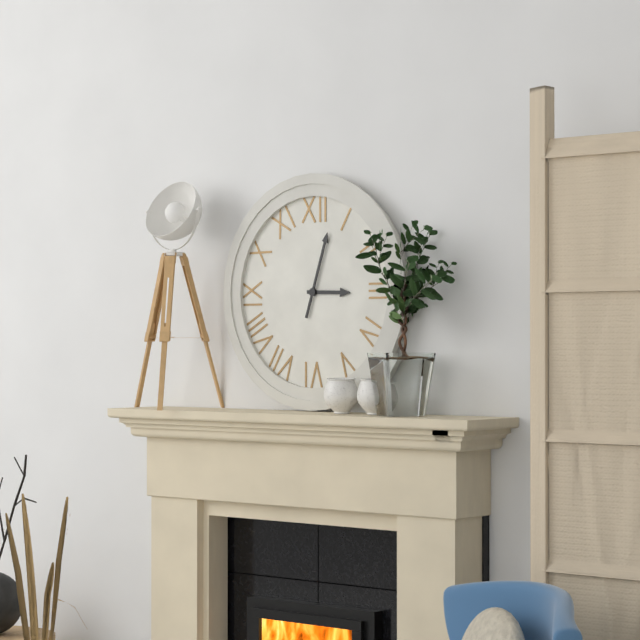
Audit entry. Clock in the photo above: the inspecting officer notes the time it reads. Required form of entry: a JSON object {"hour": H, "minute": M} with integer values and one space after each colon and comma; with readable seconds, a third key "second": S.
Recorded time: {"hour": 3, "minute": 3}
